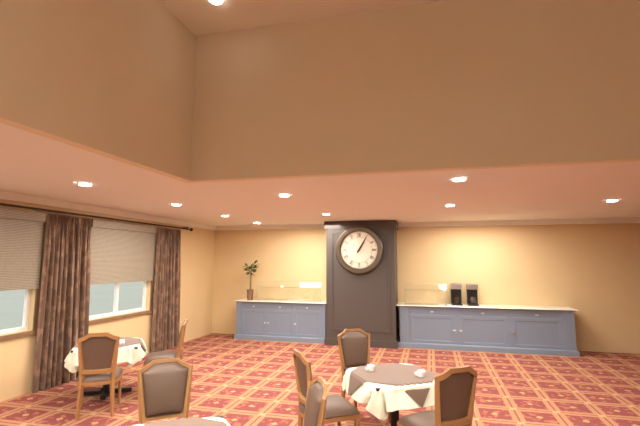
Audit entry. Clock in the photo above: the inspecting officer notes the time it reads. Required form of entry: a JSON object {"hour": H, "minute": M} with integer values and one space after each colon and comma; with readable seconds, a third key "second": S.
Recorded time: {"hour": 1, "minute": 5}
